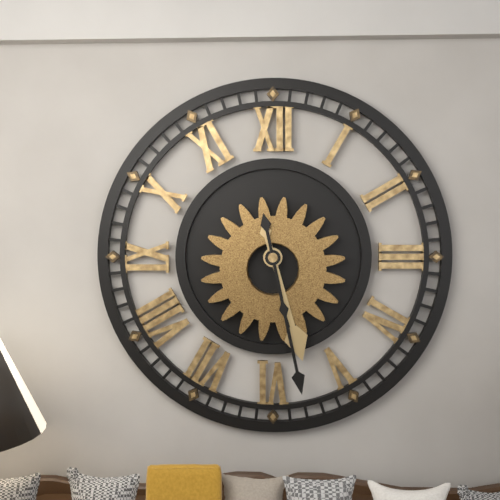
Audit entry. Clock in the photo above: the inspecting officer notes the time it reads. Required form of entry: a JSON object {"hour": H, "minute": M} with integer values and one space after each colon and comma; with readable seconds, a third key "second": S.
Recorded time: {"hour": 5, "minute": 28}
